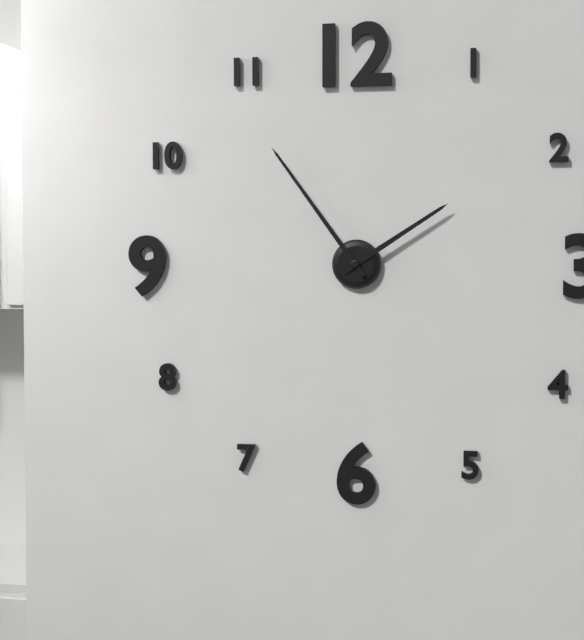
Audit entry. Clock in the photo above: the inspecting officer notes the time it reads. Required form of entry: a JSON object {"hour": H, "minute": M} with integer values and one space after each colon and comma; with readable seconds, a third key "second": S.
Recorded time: {"hour": 1, "minute": 54}
